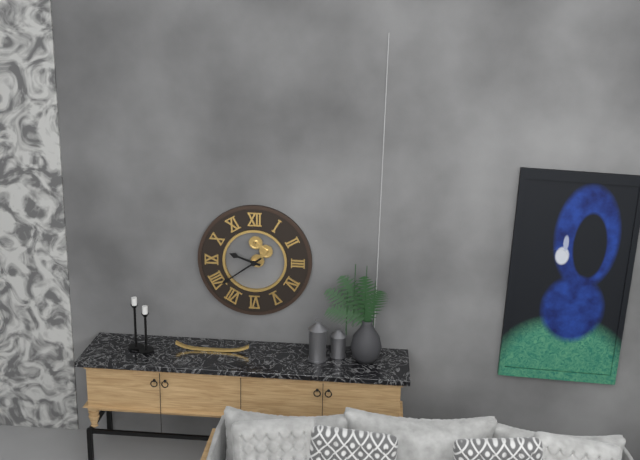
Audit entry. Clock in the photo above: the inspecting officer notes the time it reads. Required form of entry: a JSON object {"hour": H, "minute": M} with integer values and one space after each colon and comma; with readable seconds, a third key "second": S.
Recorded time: {"hour": 9, "minute": 39}
